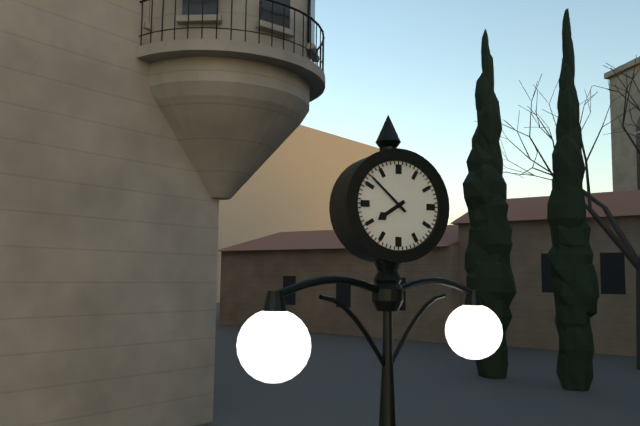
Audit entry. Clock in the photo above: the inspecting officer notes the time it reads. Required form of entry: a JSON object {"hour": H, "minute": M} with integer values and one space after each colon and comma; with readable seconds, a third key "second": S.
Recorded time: {"hour": 7, "minute": 52}
